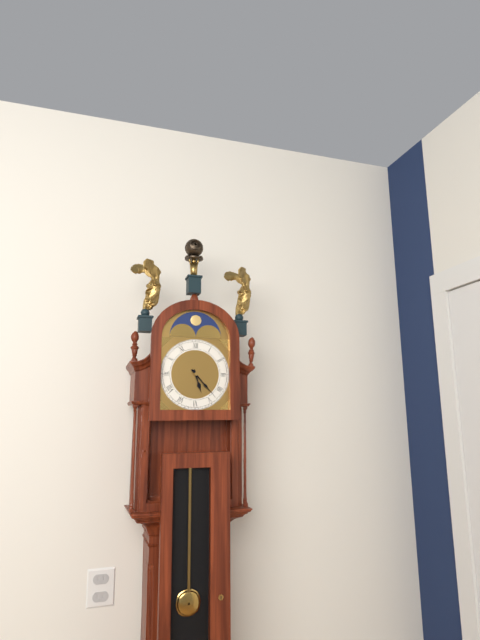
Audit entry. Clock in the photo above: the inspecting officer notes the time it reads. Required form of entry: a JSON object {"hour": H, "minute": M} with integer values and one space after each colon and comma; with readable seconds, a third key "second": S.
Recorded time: {"hour": 5, "minute": 23}
